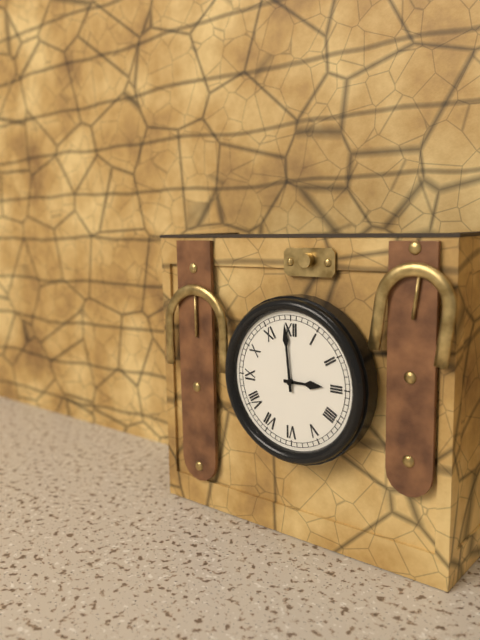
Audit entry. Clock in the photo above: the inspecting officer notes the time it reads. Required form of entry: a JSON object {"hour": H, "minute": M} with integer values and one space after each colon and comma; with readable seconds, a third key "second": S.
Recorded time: {"hour": 2, "minute": 59}
